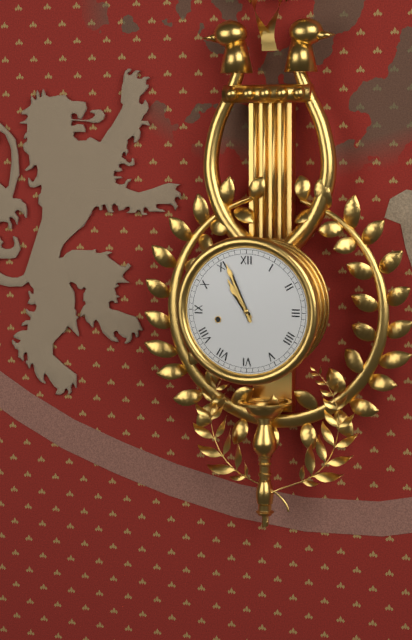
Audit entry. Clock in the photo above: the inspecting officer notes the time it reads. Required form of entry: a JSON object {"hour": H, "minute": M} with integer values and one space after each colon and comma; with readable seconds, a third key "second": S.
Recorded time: {"hour": 10, "minute": 56}
